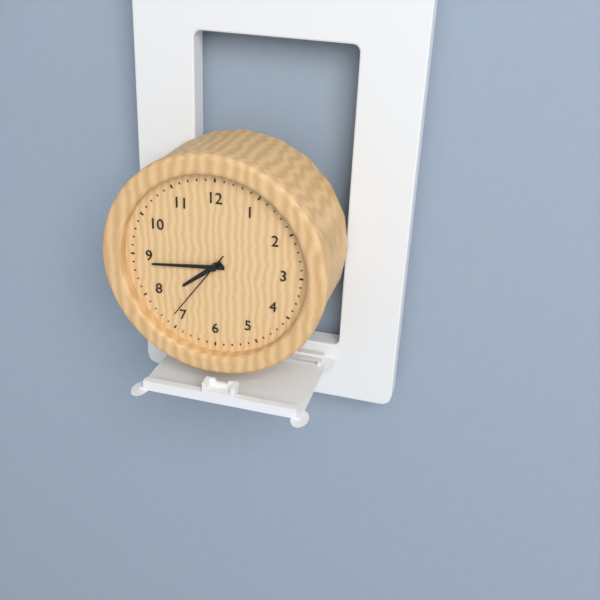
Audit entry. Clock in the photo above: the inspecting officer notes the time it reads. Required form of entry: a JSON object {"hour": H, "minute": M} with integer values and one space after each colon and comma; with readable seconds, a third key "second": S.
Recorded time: {"hour": 7, "minute": 44, "second": 36}
